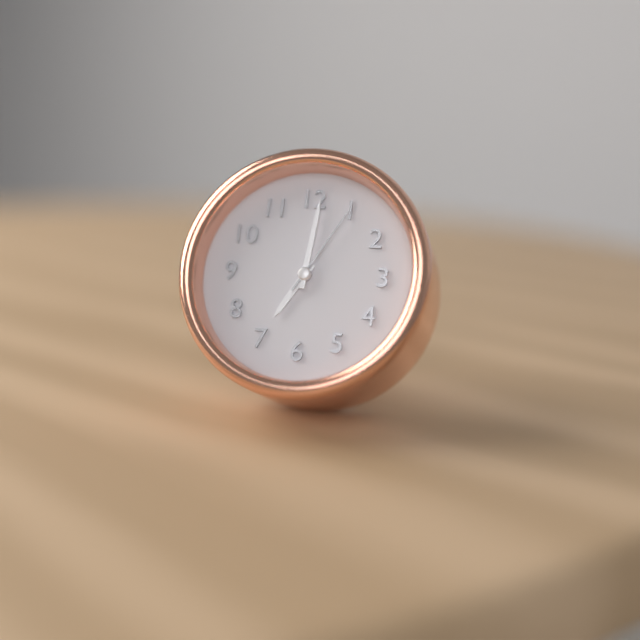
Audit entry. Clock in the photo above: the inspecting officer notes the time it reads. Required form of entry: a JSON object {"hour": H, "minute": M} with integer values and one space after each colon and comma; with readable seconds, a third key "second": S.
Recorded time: {"hour": 7, "minute": 1, "second": 5}
